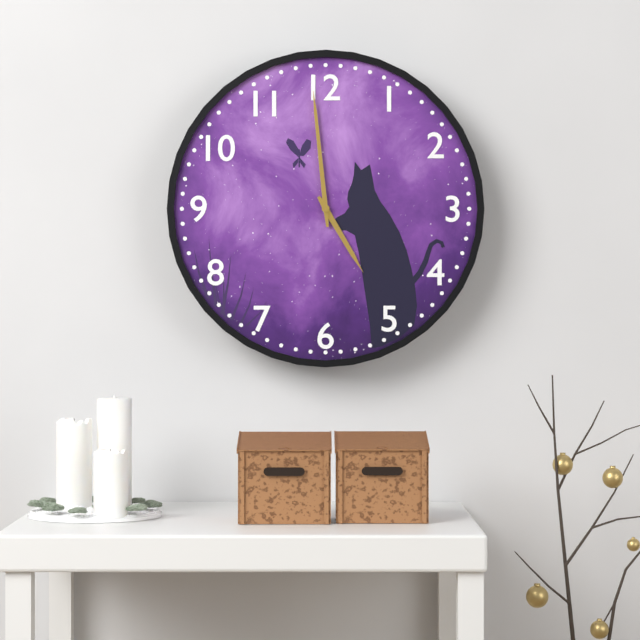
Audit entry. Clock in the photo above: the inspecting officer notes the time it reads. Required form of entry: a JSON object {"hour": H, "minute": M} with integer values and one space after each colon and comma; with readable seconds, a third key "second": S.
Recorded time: {"hour": 4, "minute": 59}
